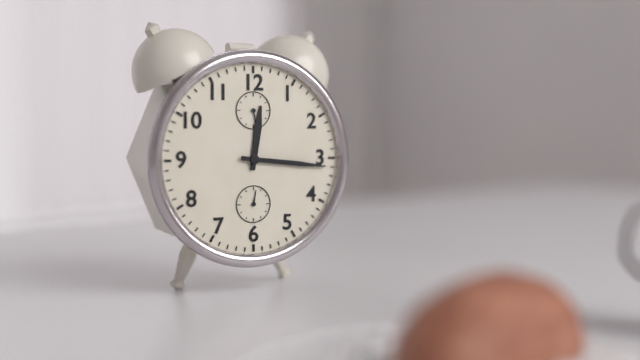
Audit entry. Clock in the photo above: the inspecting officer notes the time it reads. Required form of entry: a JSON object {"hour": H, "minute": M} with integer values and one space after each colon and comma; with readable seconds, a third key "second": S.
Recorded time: {"hour": 12, "minute": 16}
